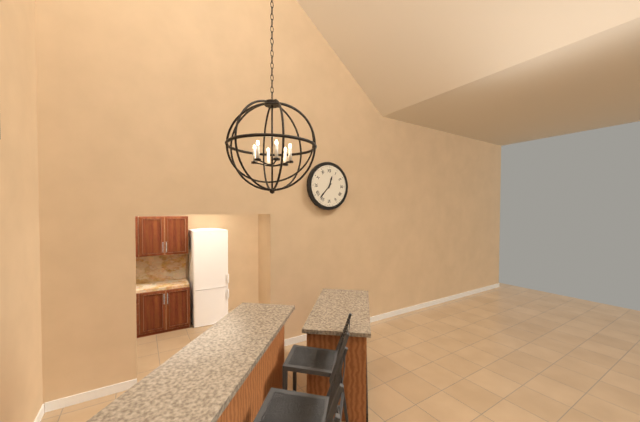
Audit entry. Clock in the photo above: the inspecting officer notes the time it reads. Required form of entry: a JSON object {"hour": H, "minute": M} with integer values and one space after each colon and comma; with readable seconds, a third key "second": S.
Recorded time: {"hour": 12, "minute": 37}
